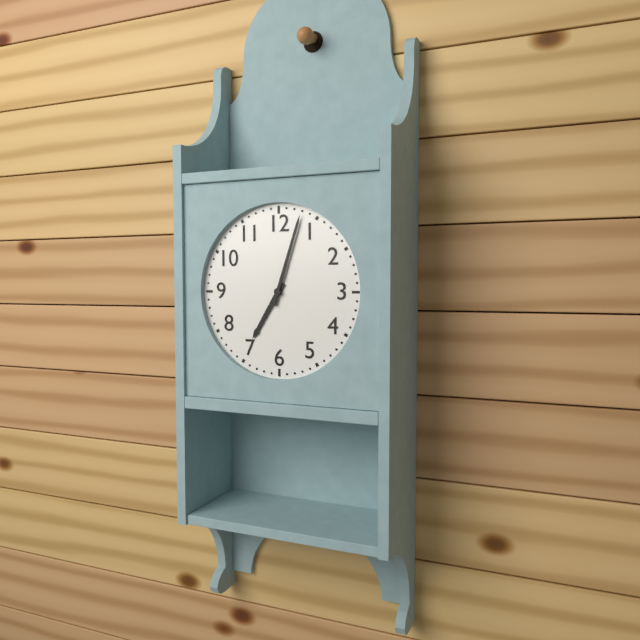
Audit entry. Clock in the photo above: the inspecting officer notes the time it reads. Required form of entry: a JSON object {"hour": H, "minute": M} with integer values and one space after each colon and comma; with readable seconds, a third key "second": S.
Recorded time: {"hour": 7, "minute": 3}
